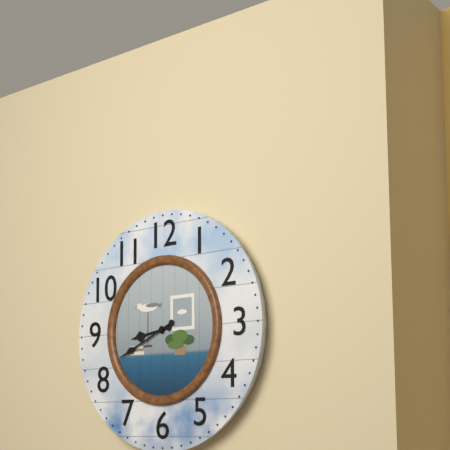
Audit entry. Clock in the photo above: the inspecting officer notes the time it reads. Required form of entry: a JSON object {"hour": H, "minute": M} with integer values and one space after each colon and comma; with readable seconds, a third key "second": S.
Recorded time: {"hour": 8, "minute": 41}
